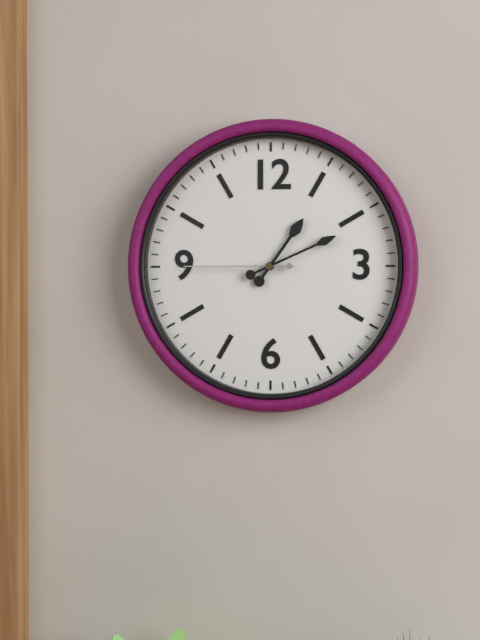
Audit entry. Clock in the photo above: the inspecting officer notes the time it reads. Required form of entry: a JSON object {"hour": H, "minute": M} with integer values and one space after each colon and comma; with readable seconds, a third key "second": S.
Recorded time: {"hour": 1, "minute": 11, "second": 45}
